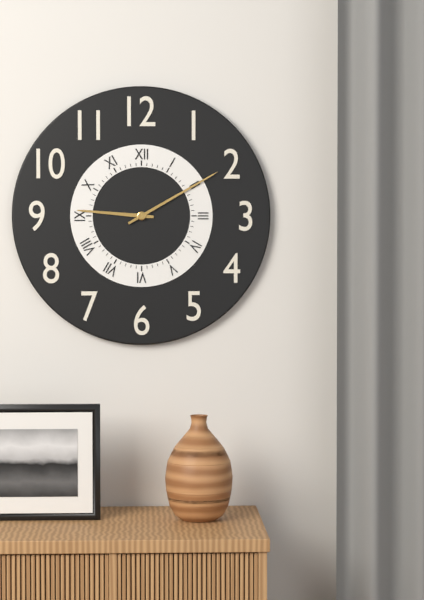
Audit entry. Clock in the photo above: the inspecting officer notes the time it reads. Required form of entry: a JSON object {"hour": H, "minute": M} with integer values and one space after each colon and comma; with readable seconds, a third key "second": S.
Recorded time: {"hour": 9, "minute": 10}
